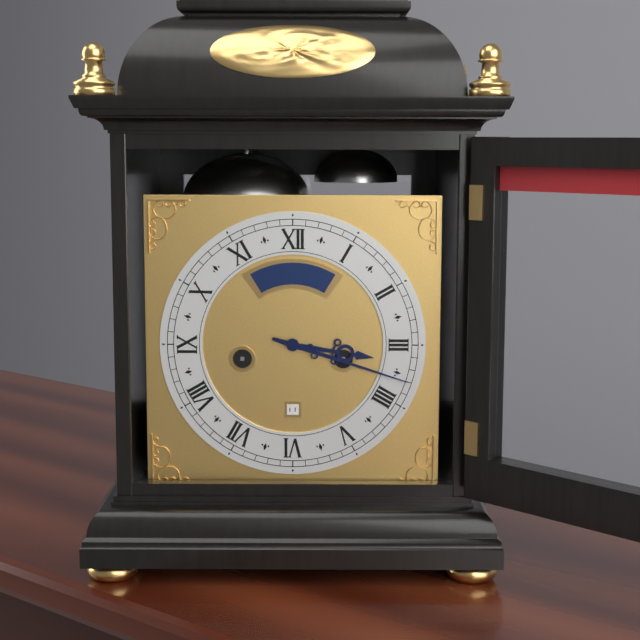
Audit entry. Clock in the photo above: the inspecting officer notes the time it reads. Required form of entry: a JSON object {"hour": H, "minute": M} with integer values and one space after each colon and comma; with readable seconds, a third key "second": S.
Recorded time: {"hour": 3, "minute": 18}
